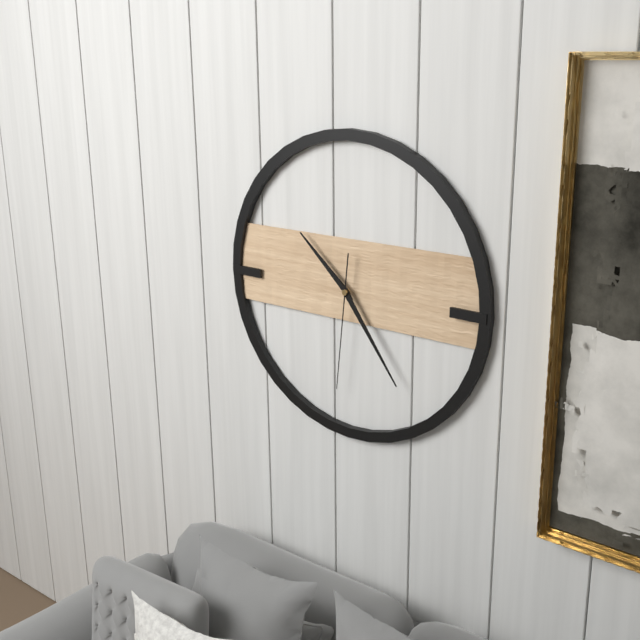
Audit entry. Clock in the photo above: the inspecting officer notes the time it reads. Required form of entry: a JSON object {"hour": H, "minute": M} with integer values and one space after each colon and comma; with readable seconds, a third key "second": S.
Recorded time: {"hour": 10, "minute": 24, "second": 31}
